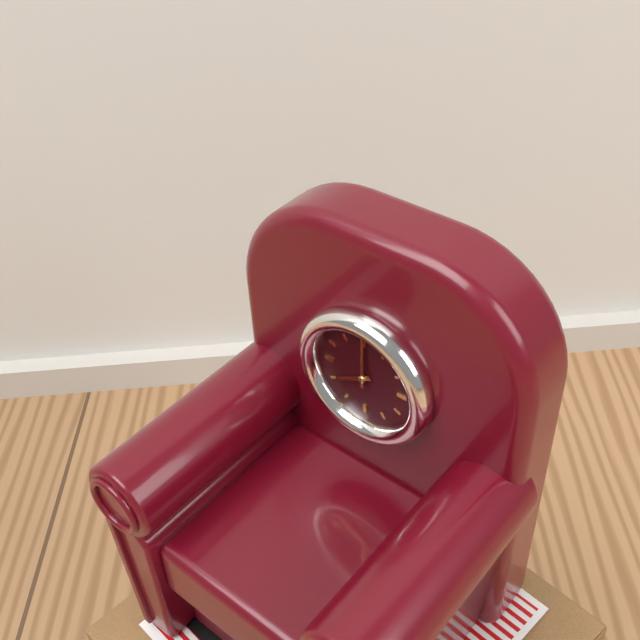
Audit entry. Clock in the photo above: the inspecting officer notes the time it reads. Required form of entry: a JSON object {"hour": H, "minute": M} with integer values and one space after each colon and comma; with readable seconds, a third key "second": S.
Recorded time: {"hour": 8, "minute": 0}
